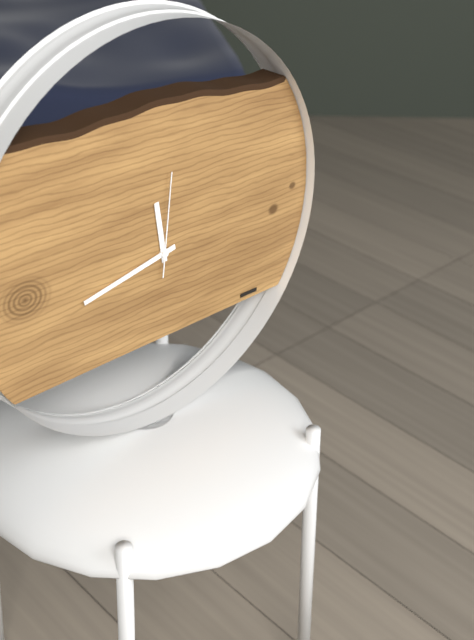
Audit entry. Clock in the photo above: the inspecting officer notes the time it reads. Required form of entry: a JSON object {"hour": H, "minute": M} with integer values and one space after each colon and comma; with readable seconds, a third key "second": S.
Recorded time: {"hour": 11, "minute": 43, "second": 1}
